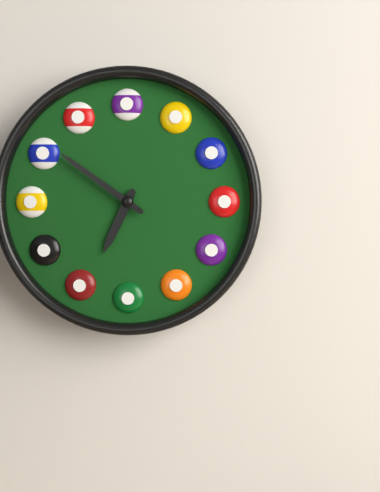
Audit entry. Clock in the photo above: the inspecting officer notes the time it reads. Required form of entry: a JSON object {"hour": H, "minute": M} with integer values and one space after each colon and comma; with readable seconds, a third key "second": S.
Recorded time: {"hour": 6, "minute": 51}
